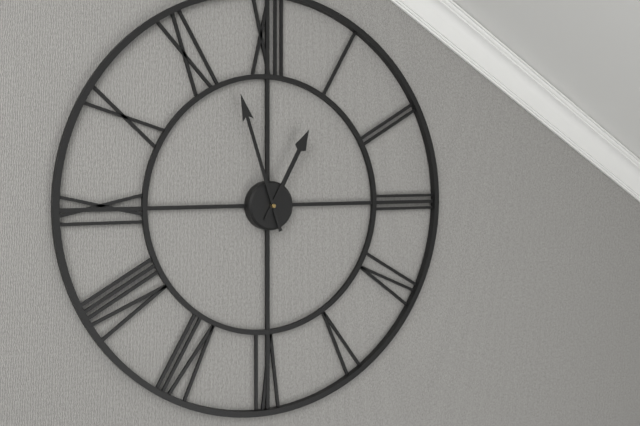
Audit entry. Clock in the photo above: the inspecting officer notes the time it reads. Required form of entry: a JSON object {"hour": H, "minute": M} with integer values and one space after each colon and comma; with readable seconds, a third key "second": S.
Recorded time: {"hour": 12, "minute": 57}
